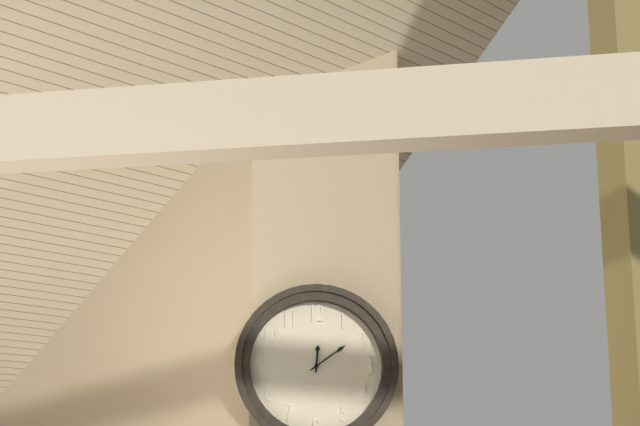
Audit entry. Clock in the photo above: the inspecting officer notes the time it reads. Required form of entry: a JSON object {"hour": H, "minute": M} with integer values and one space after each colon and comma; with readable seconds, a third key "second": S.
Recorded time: {"hour": 12, "minute": 9}
